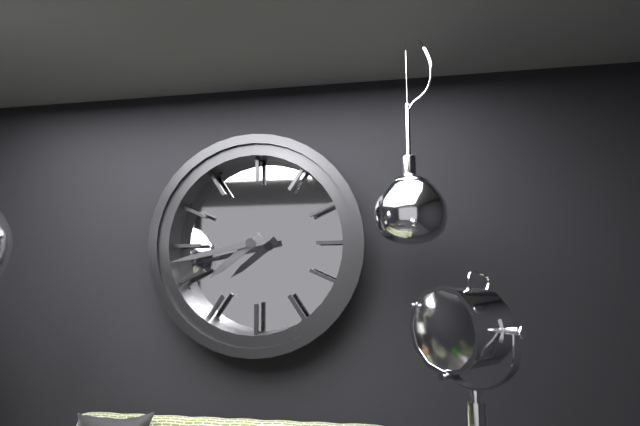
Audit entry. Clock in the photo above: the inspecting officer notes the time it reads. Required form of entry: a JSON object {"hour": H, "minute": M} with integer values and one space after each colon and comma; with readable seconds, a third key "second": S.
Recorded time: {"hour": 7, "minute": 43}
